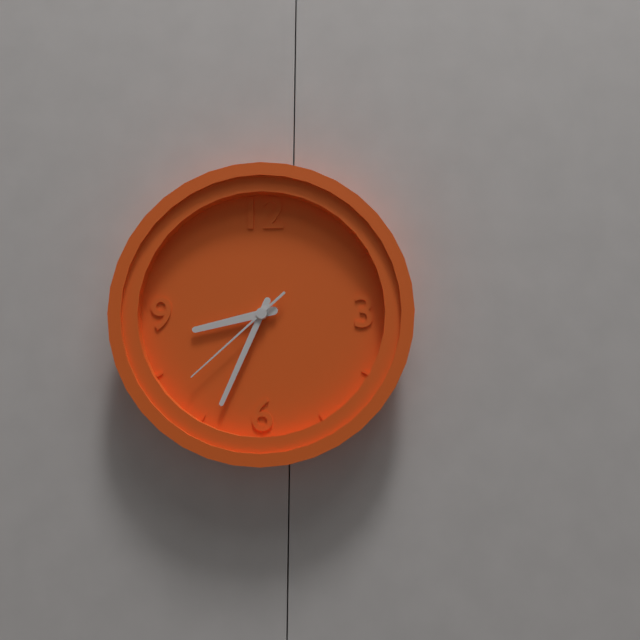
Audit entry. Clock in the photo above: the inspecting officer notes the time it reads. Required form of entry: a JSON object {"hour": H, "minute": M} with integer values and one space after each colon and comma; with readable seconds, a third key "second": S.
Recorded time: {"hour": 8, "minute": 34, "second": 38}
